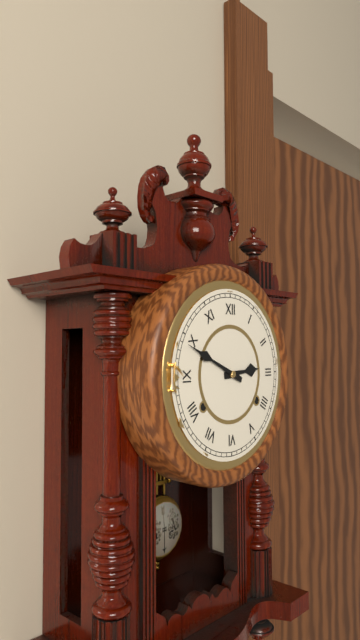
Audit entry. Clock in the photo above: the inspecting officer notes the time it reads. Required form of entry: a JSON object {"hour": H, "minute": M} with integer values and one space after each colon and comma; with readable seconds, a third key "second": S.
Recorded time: {"hour": 2, "minute": 49}
